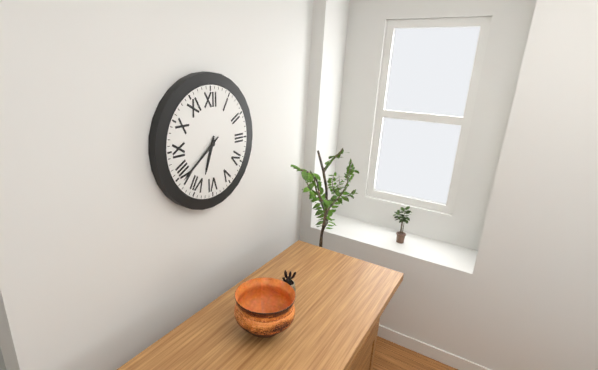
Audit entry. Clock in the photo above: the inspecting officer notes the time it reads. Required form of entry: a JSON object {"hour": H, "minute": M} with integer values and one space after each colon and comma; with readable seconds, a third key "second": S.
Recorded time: {"hour": 6, "minute": 39}
